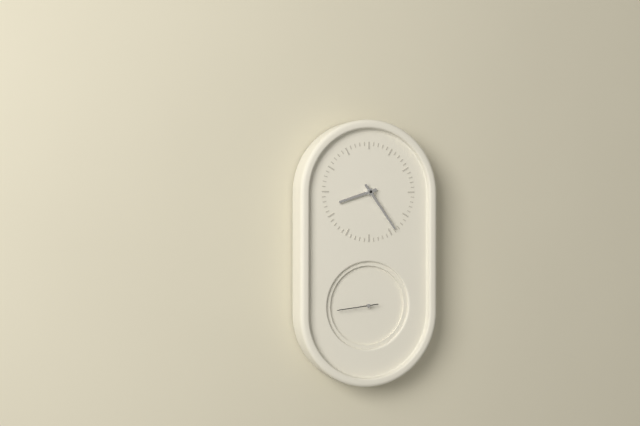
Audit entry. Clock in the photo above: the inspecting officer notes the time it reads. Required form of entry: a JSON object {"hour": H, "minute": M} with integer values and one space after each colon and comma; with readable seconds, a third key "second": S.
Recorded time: {"hour": 8, "minute": 24}
